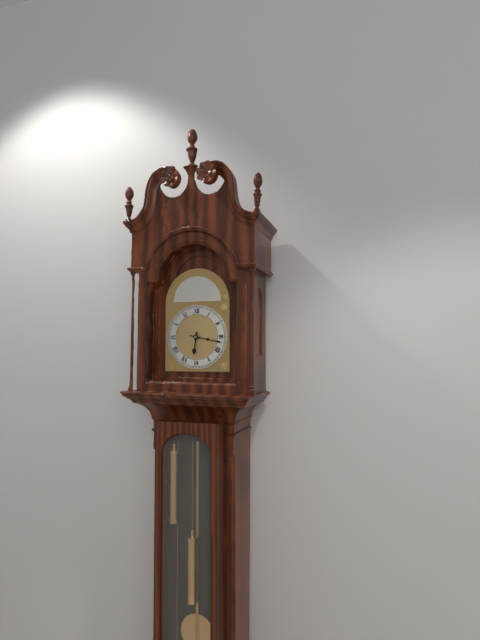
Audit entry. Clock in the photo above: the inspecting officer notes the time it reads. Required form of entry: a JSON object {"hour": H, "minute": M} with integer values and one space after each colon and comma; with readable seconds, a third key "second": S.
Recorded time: {"hour": 6, "minute": 17}
